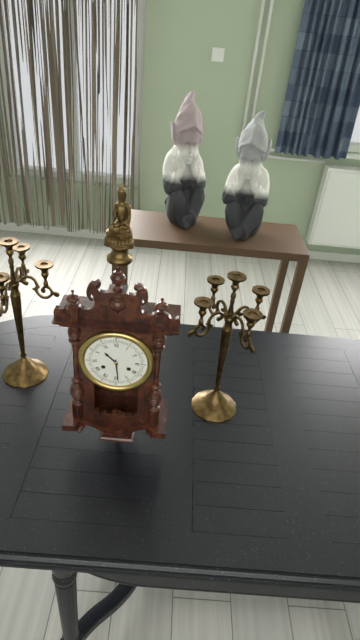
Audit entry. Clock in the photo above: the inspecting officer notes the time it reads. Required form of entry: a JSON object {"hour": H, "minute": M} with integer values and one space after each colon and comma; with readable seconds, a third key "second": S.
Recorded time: {"hour": 10, "minute": 29}
